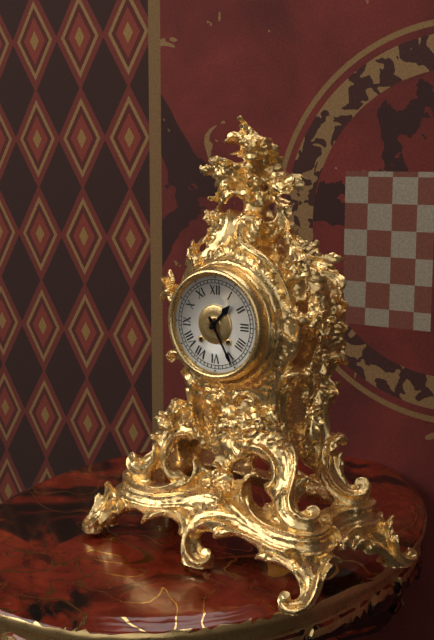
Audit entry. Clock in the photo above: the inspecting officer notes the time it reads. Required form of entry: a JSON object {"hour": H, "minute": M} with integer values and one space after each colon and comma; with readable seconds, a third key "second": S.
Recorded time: {"hour": 1, "minute": 25}
